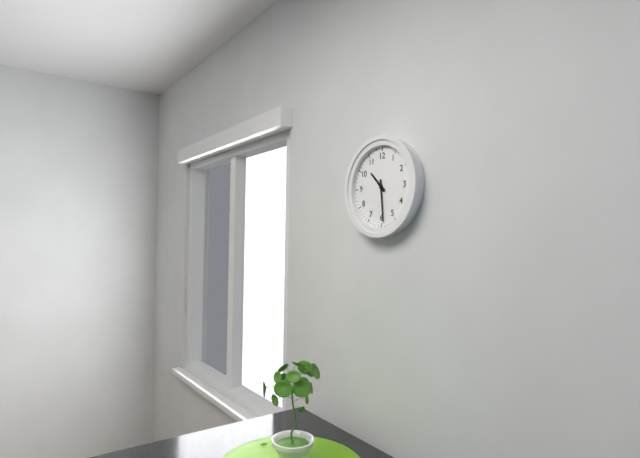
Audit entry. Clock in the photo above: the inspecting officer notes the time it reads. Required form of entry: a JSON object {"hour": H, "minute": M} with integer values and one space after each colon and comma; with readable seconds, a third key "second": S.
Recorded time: {"hour": 10, "minute": 29}
